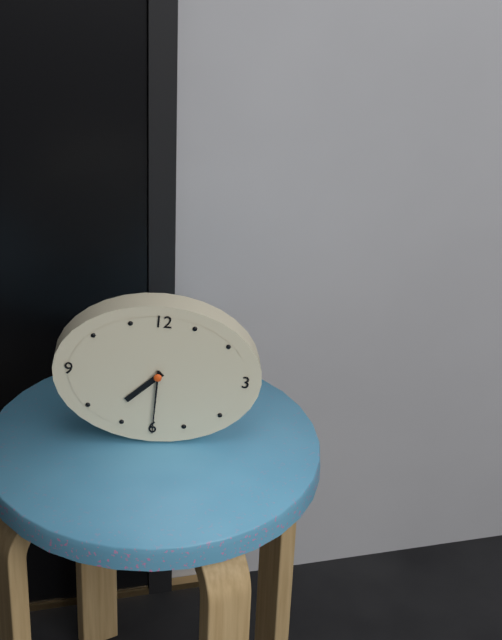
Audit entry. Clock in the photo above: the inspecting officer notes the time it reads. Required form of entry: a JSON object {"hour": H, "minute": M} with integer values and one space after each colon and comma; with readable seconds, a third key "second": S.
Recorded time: {"hour": 7, "minute": 30}
